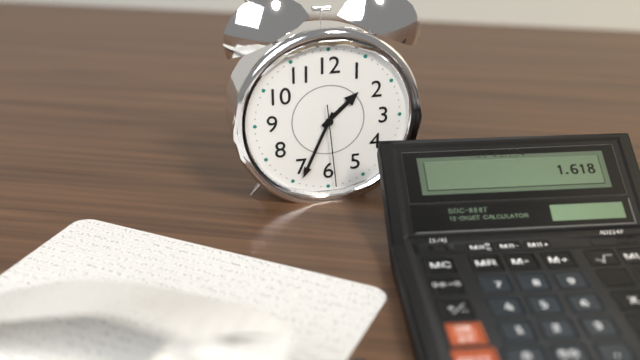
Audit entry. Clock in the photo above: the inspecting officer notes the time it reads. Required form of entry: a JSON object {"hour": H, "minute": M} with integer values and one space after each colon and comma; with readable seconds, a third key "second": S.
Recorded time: {"hour": 1, "minute": 34, "second": 29}
